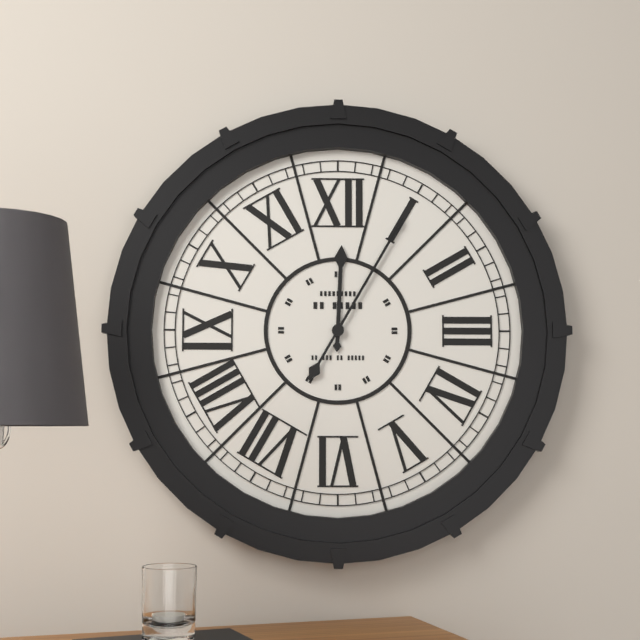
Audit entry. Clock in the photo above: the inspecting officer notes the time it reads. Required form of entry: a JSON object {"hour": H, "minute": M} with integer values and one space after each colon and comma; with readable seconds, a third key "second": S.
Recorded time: {"hour": 12, "minute": 5}
